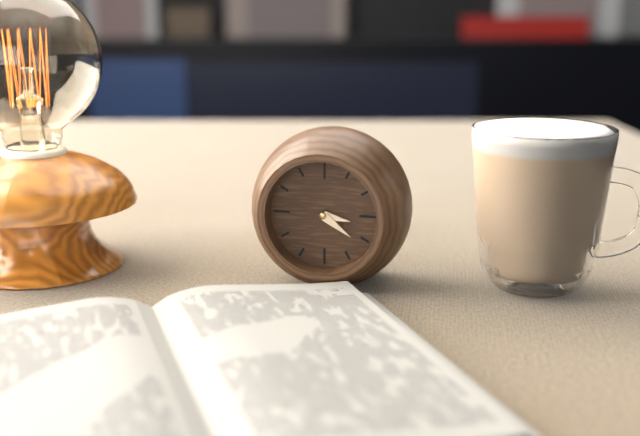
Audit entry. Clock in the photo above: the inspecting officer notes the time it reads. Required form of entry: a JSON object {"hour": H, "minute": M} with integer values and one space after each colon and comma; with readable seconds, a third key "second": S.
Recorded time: {"hour": 3, "minute": 21}
